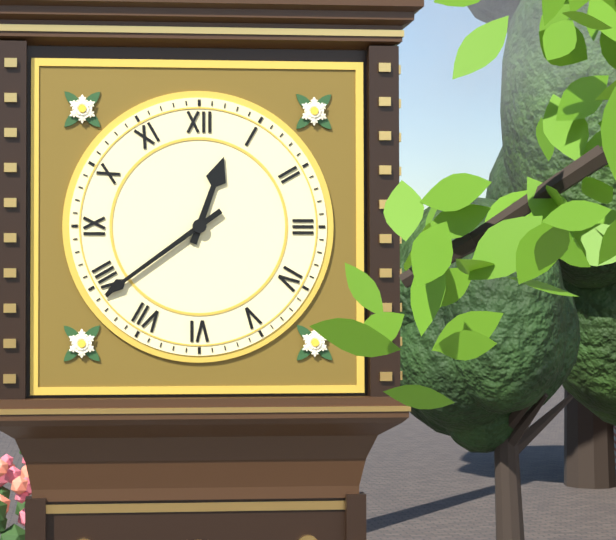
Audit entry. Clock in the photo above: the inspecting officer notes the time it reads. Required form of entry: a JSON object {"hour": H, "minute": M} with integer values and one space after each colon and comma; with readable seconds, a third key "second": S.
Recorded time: {"hour": 12, "minute": 39}
